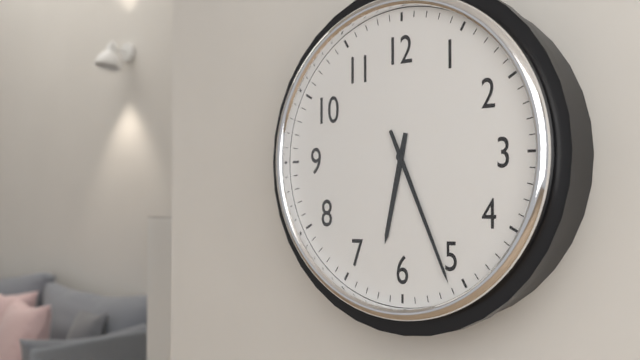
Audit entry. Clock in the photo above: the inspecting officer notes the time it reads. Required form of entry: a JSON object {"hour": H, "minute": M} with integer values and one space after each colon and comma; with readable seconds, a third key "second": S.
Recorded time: {"hour": 6, "minute": 26}
